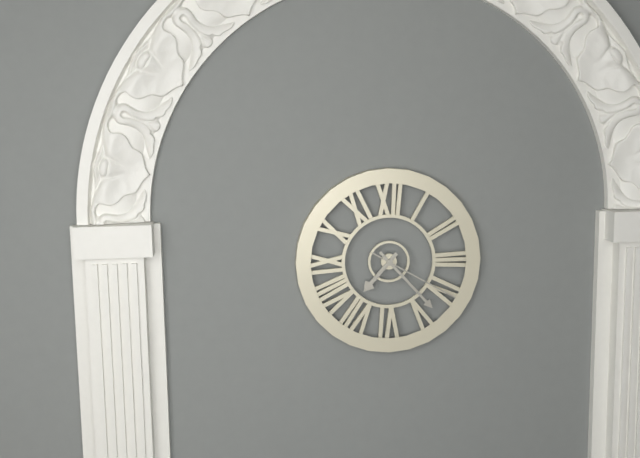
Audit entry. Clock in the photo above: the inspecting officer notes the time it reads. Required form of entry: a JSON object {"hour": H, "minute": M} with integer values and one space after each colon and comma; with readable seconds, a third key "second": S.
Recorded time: {"hour": 7, "minute": 23, "second": 20}
